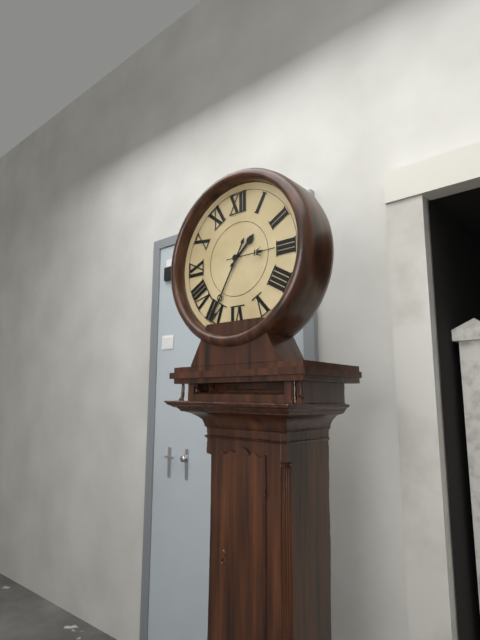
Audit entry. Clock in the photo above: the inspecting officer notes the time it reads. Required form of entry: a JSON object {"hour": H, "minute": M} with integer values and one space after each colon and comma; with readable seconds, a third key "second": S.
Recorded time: {"hour": 1, "minute": 35}
